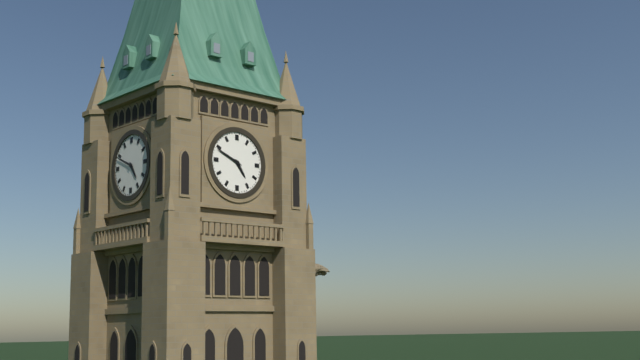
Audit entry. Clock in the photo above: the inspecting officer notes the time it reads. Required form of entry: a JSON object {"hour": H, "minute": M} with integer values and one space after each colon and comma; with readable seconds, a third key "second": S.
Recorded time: {"hour": 4, "minute": 49}
